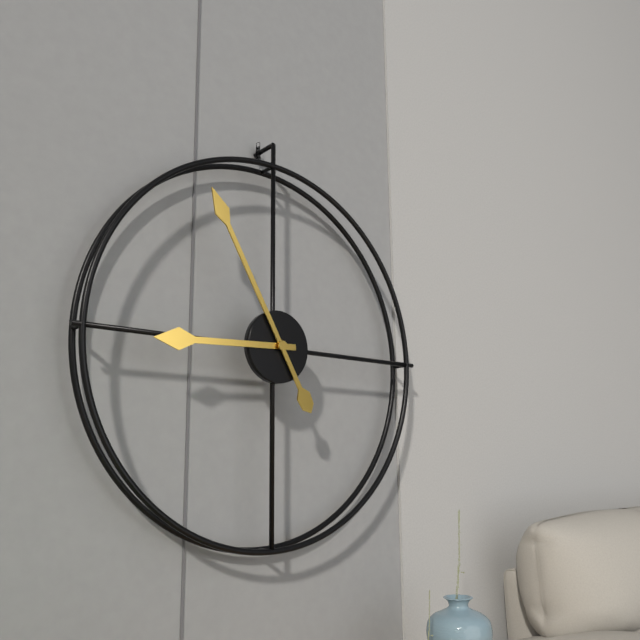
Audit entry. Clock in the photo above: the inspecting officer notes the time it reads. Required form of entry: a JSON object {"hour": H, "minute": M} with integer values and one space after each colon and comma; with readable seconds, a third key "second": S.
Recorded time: {"hour": 8, "minute": 55}
